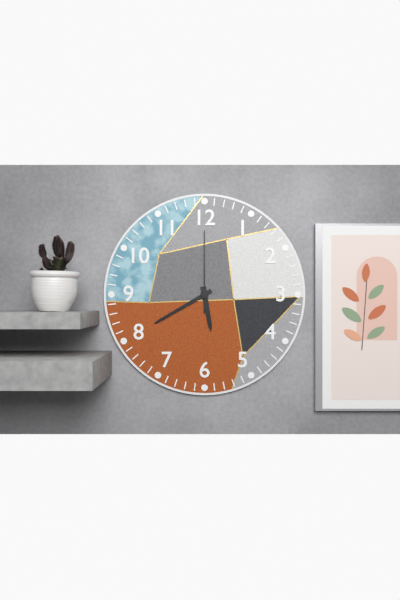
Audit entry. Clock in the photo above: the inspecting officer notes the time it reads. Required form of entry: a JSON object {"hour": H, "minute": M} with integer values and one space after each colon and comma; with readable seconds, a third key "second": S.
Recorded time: {"hour": 5, "minute": 40, "second": 0}
